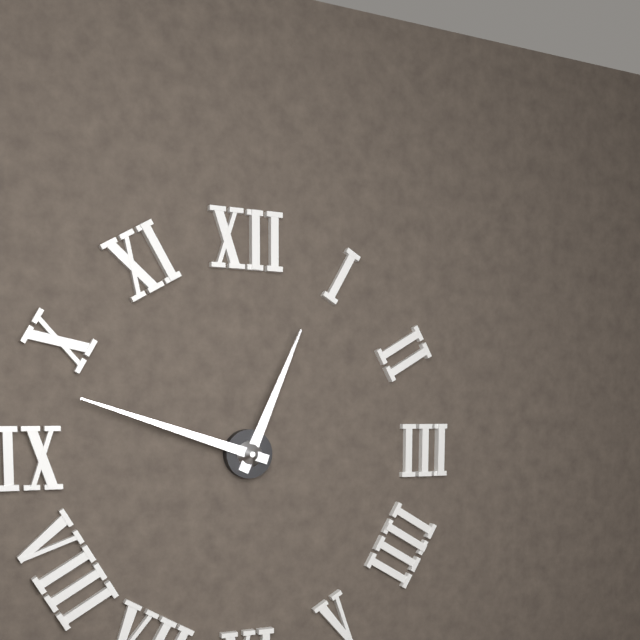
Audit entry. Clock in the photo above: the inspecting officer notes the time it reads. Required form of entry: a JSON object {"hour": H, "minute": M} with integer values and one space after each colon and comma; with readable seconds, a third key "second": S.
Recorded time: {"hour": 12, "minute": 48}
